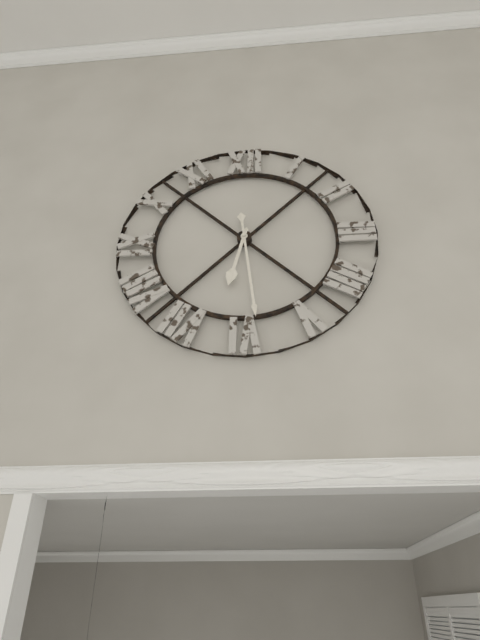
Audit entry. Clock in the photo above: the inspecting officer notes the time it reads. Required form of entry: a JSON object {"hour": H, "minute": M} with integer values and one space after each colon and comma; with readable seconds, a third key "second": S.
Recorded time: {"hour": 6, "minute": 29}
